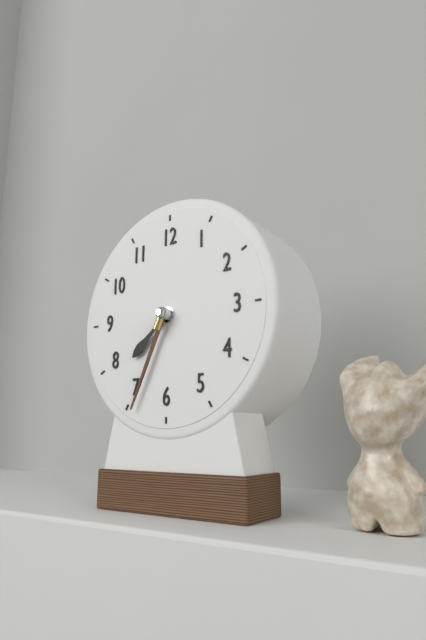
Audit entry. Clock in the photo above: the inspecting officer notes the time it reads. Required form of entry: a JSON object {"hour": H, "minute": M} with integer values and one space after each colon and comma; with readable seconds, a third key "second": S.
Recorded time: {"hour": 7, "minute": 34}
